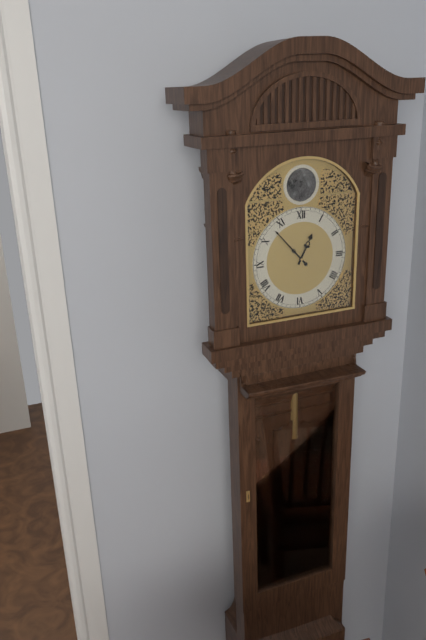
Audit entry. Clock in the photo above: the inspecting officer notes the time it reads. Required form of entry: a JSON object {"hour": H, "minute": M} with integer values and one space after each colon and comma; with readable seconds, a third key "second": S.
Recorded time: {"hour": 12, "minute": 53}
